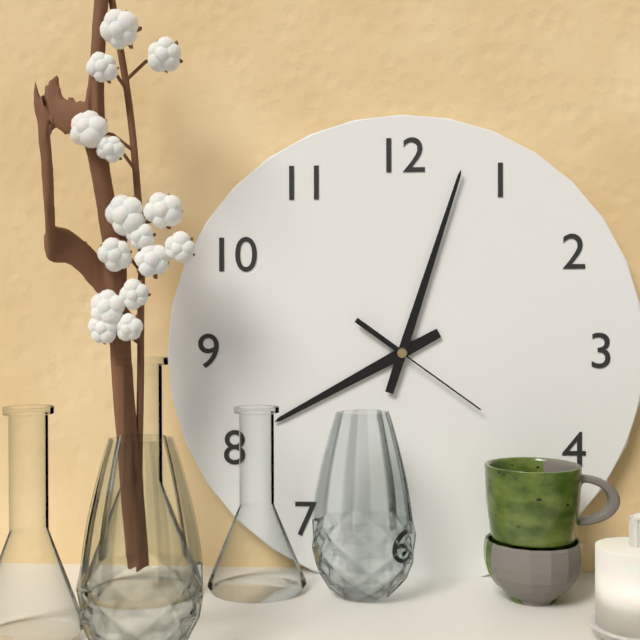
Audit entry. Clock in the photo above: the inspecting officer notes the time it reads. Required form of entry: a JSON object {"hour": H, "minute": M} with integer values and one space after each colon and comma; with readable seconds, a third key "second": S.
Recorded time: {"hour": 8, "minute": 3, "second": 21}
